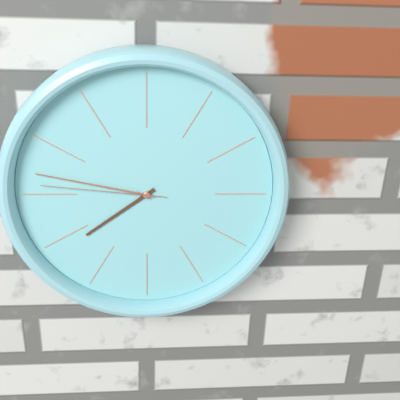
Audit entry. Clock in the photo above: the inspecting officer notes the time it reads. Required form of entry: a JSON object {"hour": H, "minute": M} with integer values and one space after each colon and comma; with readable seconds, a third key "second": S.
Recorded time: {"hour": 7, "minute": 47, "second": 46}
